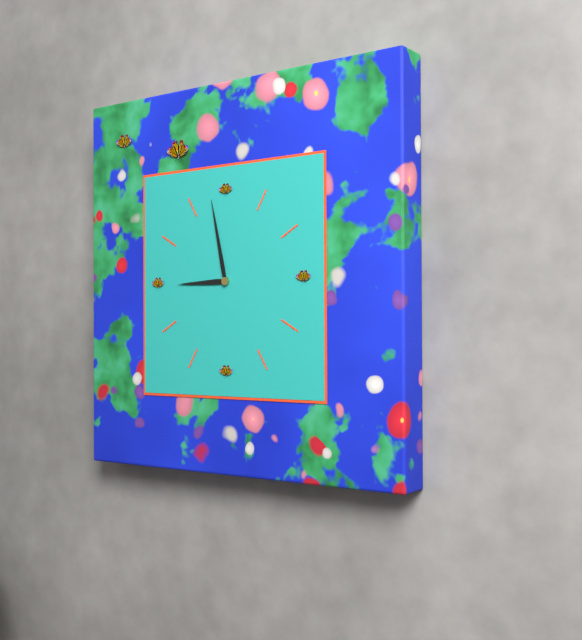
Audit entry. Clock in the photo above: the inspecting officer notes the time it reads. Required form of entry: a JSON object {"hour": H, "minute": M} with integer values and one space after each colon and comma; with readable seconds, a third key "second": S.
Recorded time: {"hour": 8, "minute": 58}
